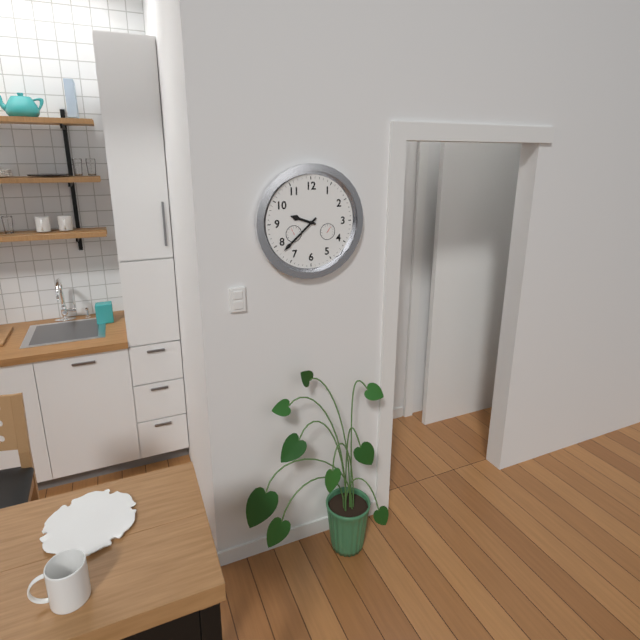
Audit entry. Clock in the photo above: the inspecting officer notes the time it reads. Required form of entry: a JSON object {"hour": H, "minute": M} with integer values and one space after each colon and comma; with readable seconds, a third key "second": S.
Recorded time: {"hour": 9, "minute": 38}
